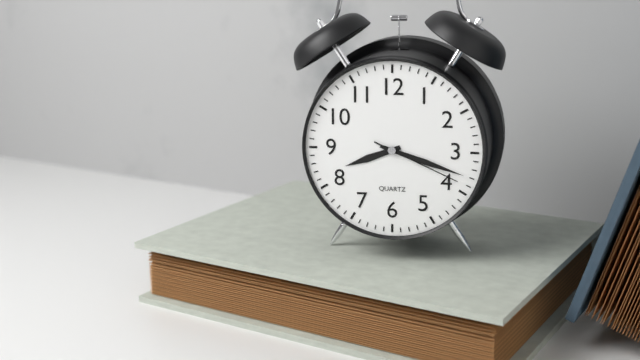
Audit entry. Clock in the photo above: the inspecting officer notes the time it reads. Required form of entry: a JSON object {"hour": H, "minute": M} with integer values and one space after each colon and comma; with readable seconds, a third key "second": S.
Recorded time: {"hour": 8, "minute": 18, "second": 19}
